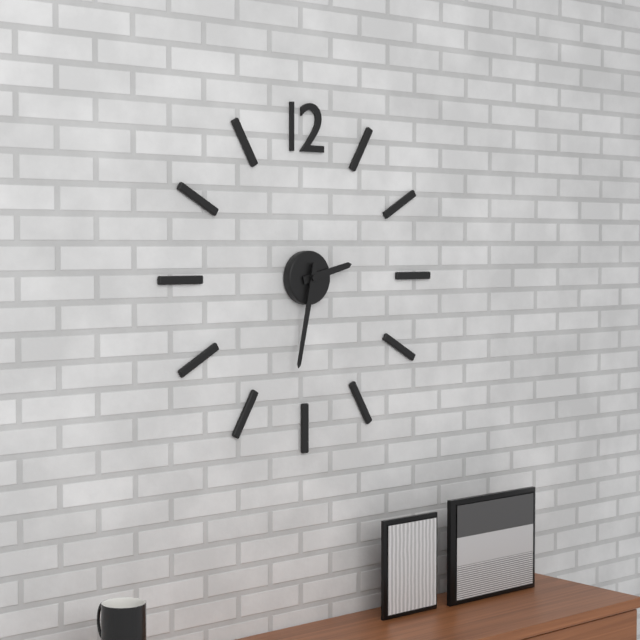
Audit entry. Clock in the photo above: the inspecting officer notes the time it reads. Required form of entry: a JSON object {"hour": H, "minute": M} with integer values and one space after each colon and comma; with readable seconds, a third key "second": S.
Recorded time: {"hour": 2, "minute": 32}
